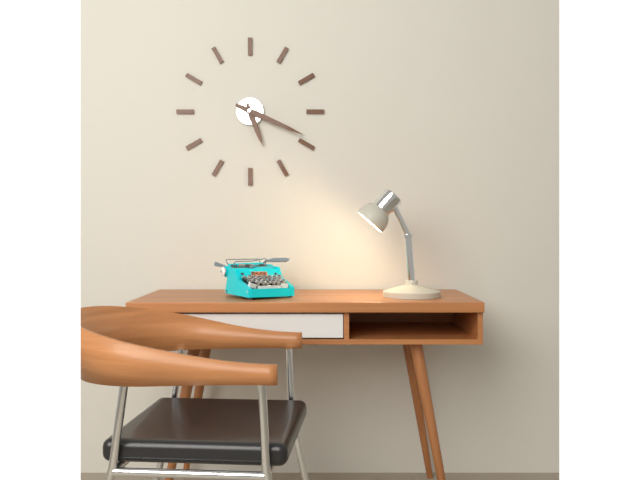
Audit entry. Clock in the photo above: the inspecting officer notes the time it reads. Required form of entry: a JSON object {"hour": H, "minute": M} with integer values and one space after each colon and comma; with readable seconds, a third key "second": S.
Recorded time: {"hour": 5, "minute": 19}
